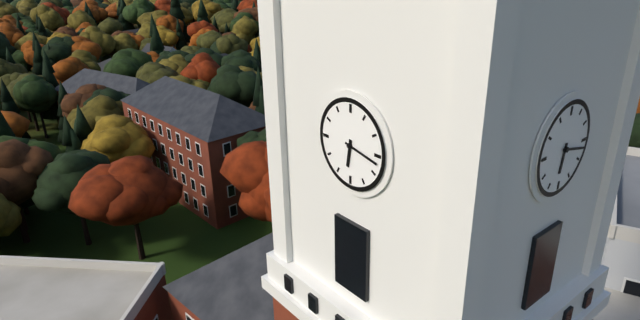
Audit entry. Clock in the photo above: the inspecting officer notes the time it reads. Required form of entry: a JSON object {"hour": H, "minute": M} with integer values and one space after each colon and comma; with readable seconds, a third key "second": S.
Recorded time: {"hour": 6, "minute": 17}
